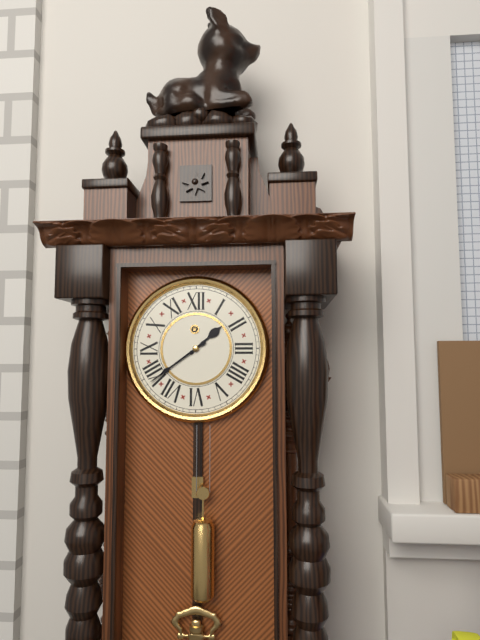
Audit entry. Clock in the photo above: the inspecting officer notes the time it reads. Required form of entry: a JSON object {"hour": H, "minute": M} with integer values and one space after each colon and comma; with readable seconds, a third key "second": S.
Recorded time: {"hour": 1, "minute": 39}
